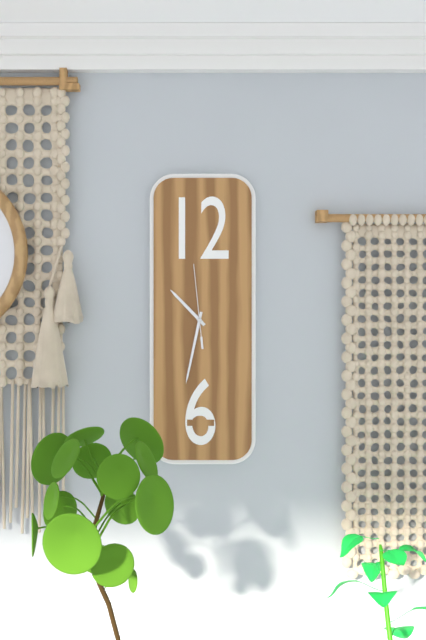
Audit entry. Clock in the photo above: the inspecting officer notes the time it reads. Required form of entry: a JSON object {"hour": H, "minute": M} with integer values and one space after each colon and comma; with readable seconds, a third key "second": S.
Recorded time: {"hour": 10, "minute": 32, "second": 59}
